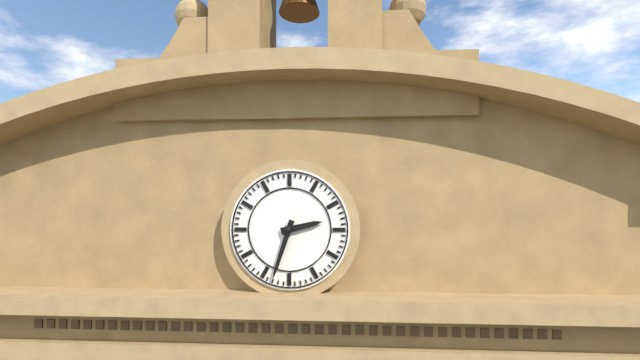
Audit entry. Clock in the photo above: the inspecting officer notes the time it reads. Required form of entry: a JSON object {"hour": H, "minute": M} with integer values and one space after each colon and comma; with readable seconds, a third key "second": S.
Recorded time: {"hour": 2, "minute": 33}
